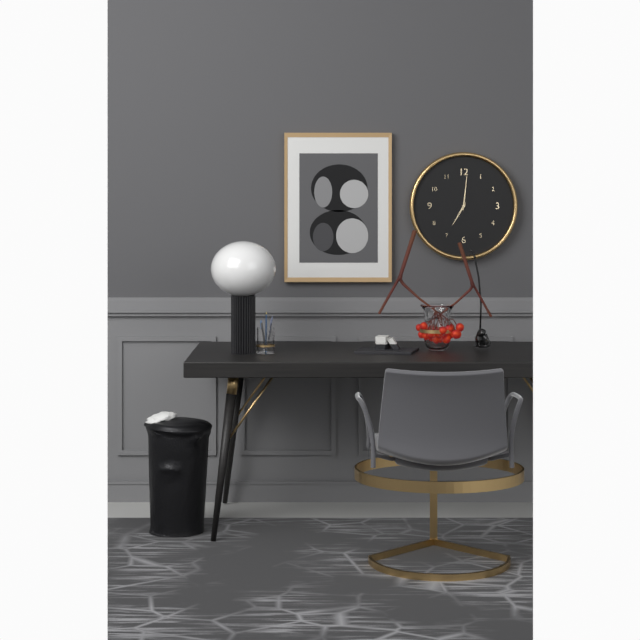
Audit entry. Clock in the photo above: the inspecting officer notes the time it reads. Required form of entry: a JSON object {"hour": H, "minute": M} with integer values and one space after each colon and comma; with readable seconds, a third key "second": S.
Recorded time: {"hour": 7, "minute": 1}
